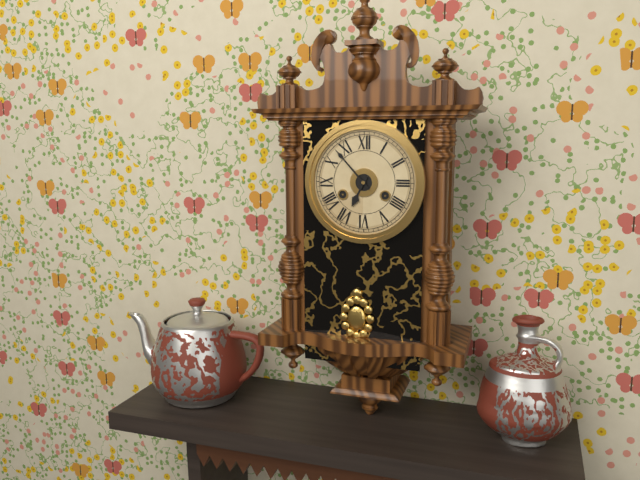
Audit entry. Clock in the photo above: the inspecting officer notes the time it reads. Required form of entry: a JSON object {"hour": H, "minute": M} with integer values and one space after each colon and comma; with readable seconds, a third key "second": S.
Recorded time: {"hour": 6, "minute": 53}
